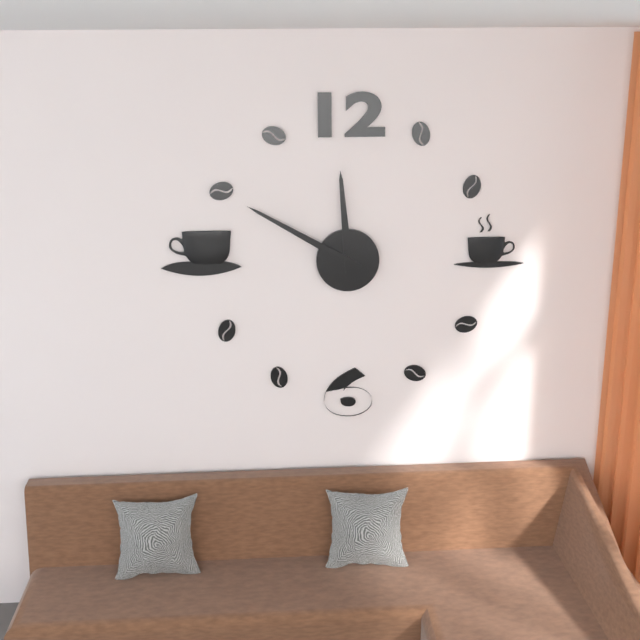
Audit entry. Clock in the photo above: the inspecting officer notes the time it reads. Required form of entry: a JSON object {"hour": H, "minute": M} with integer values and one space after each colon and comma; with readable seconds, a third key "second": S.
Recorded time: {"hour": 11, "minute": 50}
